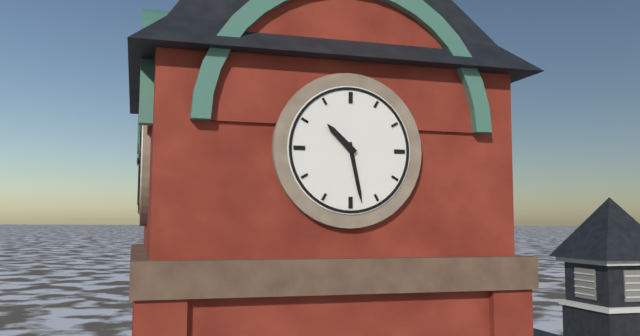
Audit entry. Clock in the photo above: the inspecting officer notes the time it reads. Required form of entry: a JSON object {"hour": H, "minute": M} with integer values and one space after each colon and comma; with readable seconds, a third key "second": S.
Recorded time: {"hour": 10, "minute": 28}
